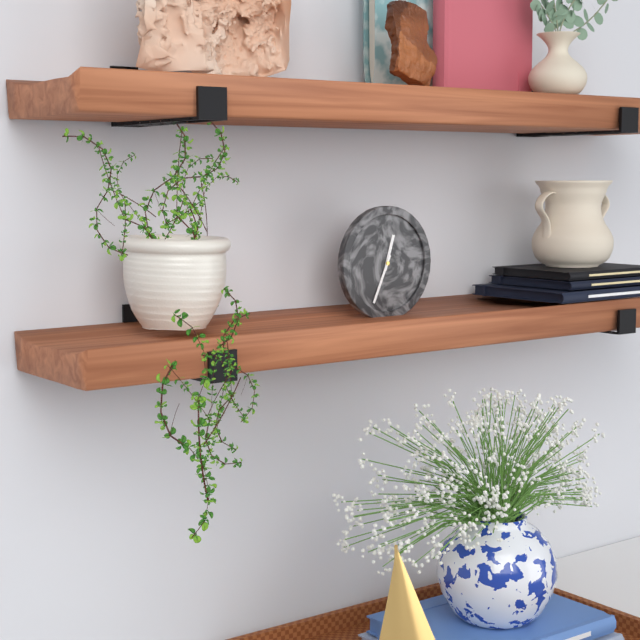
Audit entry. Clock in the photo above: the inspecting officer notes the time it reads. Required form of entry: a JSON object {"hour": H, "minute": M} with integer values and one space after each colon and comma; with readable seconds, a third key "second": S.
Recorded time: {"hour": 12, "minute": 34}
